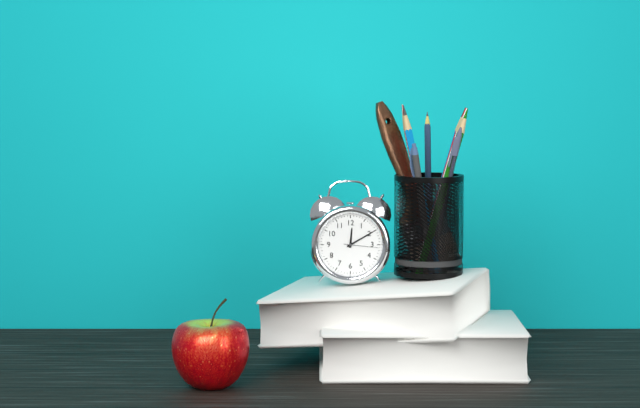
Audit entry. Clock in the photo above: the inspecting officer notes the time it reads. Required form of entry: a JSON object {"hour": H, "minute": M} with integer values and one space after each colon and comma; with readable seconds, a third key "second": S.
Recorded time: {"hour": 12, "minute": 10}
